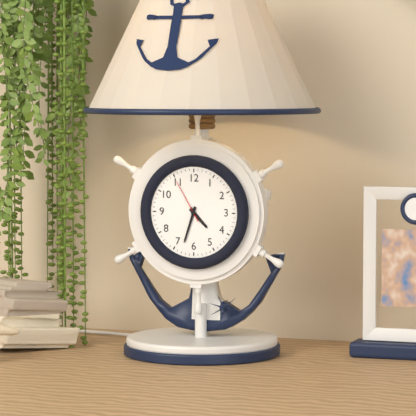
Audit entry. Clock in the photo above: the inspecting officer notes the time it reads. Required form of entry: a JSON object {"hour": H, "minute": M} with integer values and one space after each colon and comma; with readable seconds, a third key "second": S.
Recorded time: {"hour": 4, "minute": 33}
